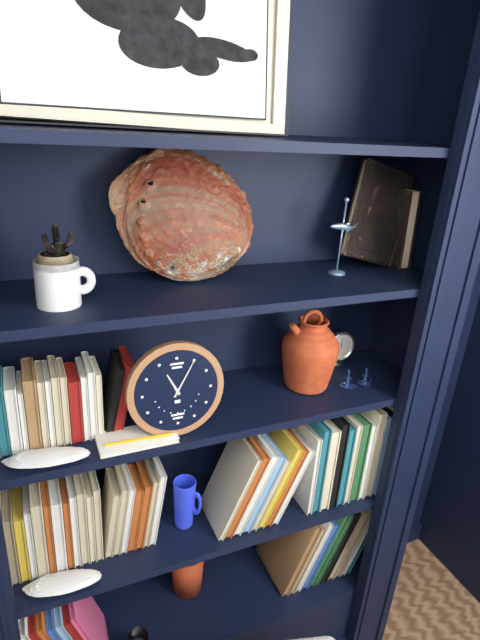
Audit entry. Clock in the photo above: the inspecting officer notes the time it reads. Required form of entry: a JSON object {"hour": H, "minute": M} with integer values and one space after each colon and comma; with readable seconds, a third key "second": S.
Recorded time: {"hour": 11, "minute": 5}
